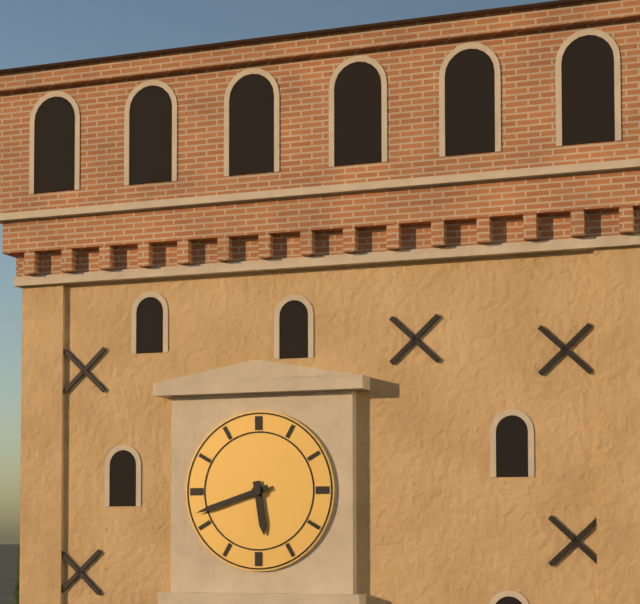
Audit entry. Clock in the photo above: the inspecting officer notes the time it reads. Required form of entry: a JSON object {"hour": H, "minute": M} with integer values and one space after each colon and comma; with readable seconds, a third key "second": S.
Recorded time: {"hour": 5, "minute": 42}
